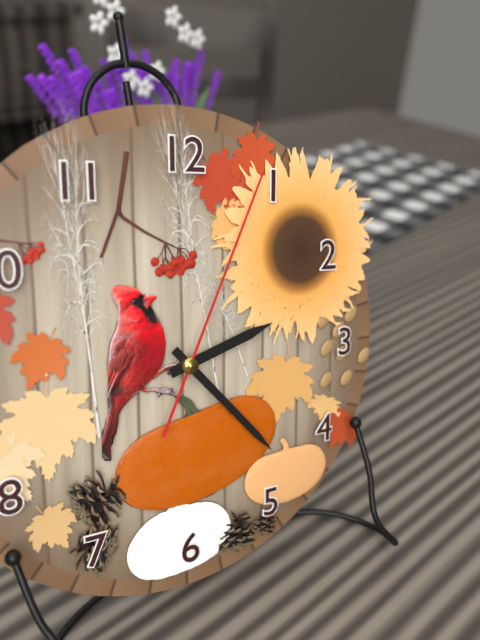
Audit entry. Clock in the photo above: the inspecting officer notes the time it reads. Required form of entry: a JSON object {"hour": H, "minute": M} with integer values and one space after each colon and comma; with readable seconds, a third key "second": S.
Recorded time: {"hour": 2, "minute": 23, "second": 4}
